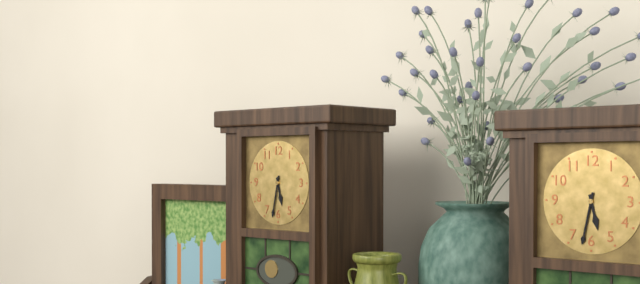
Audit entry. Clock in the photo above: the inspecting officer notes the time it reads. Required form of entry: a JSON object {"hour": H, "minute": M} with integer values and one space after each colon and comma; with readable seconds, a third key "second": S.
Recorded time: {"hour": 5, "minute": 32}
